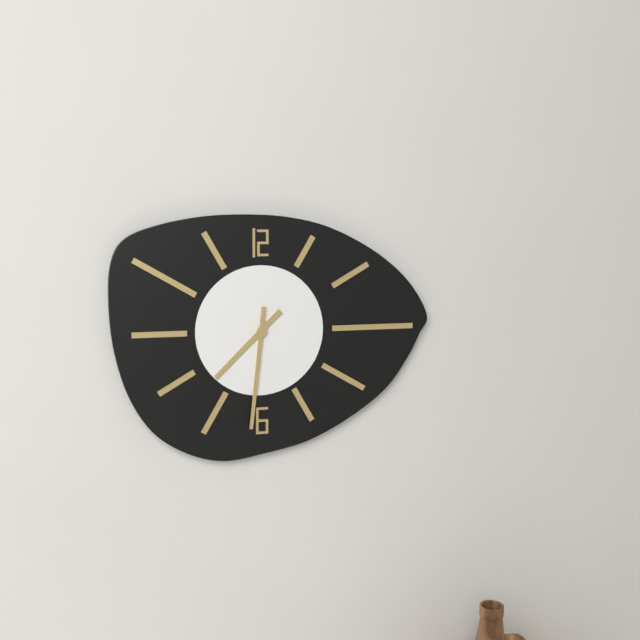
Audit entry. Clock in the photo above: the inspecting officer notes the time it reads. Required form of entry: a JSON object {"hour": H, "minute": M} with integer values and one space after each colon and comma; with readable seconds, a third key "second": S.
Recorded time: {"hour": 7, "minute": 31}
